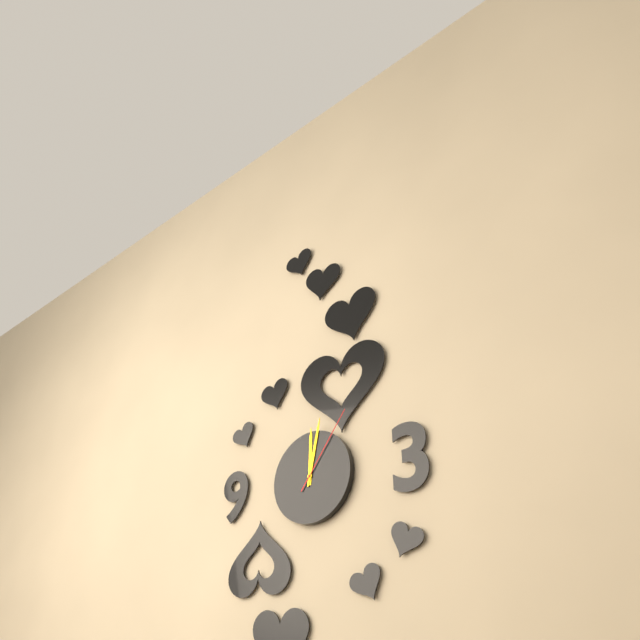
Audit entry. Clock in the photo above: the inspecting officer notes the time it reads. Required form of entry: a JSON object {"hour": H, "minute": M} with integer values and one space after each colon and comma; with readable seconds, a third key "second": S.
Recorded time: {"hour": 12, "minute": 2, "second": 6}
